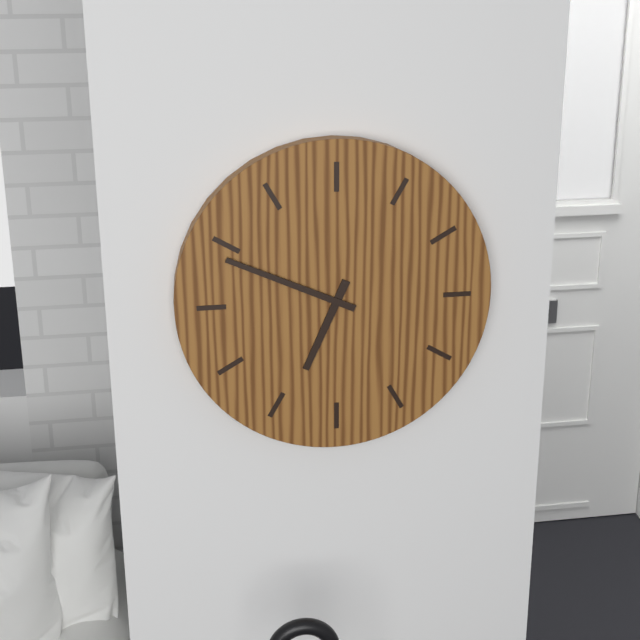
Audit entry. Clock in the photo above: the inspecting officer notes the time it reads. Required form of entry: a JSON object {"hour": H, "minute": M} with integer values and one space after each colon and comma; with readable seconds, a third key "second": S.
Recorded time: {"hour": 6, "minute": 49}
